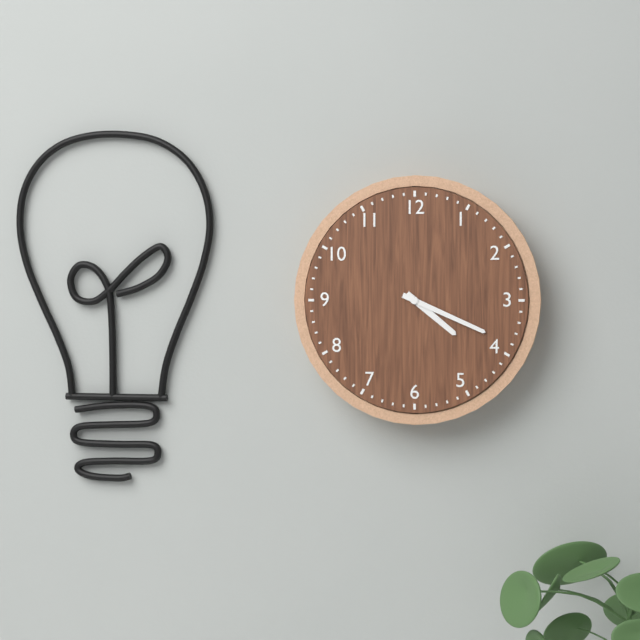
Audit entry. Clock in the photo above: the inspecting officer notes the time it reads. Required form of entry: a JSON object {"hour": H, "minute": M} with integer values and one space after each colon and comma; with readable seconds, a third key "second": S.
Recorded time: {"hour": 4, "minute": 19}
